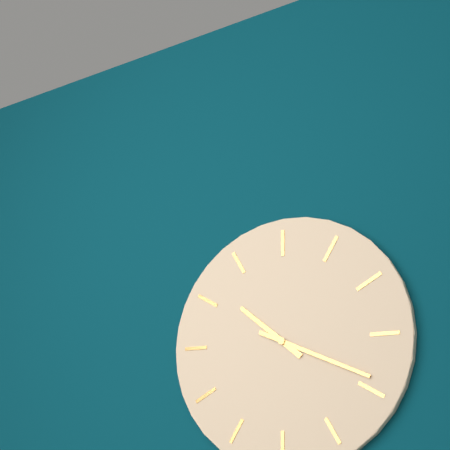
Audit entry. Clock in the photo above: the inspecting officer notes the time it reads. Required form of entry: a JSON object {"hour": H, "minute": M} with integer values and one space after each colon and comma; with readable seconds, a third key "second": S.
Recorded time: {"hour": 10, "minute": 19}
